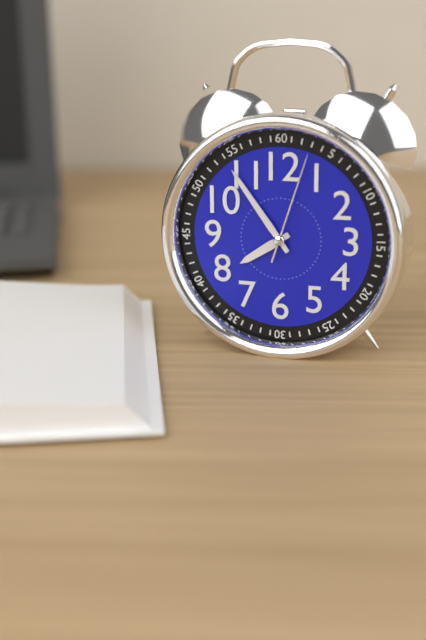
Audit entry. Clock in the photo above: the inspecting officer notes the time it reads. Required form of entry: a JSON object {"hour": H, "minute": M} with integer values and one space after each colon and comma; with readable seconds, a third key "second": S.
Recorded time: {"hour": 7, "minute": 54, "second": 3}
